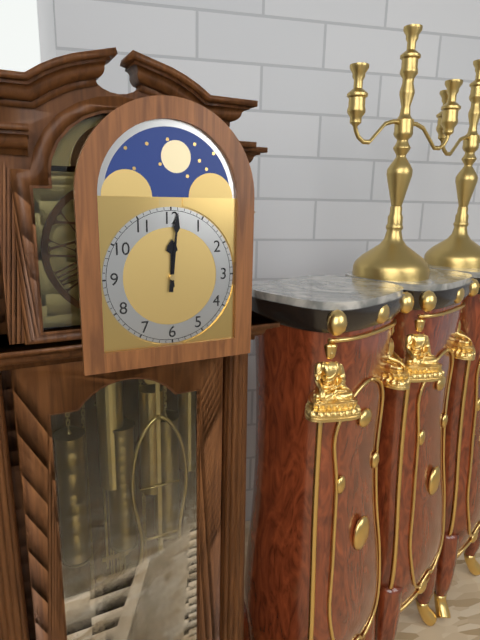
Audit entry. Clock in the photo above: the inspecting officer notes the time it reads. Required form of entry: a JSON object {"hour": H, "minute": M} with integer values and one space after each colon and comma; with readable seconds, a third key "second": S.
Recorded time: {"hour": 12, "minute": 1}
